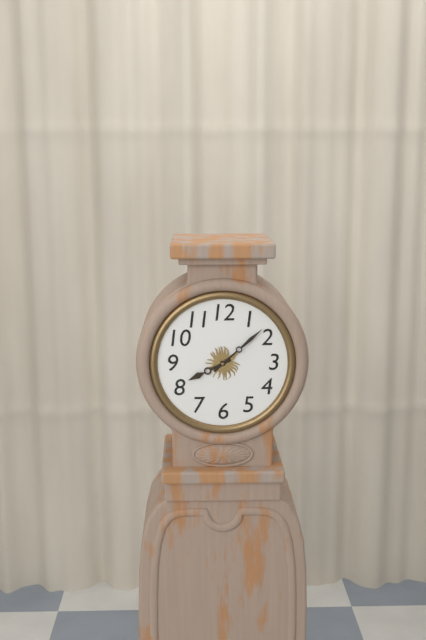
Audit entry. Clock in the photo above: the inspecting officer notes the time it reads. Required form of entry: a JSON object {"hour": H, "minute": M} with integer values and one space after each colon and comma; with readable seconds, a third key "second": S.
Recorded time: {"hour": 8, "minute": 8}
